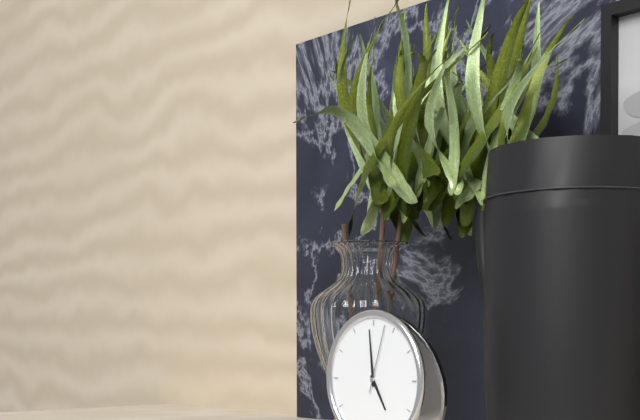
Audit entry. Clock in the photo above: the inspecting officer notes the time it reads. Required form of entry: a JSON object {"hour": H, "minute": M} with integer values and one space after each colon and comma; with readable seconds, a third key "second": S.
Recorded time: {"hour": 4, "minute": 59, "second": 3}
